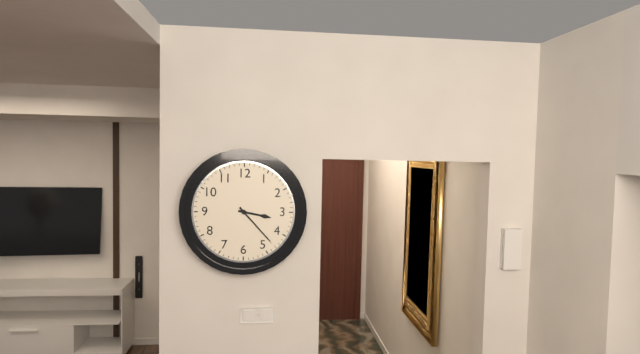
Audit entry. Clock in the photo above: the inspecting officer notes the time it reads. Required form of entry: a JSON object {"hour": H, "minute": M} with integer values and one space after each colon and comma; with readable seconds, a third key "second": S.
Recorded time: {"hour": 3, "minute": 23}
